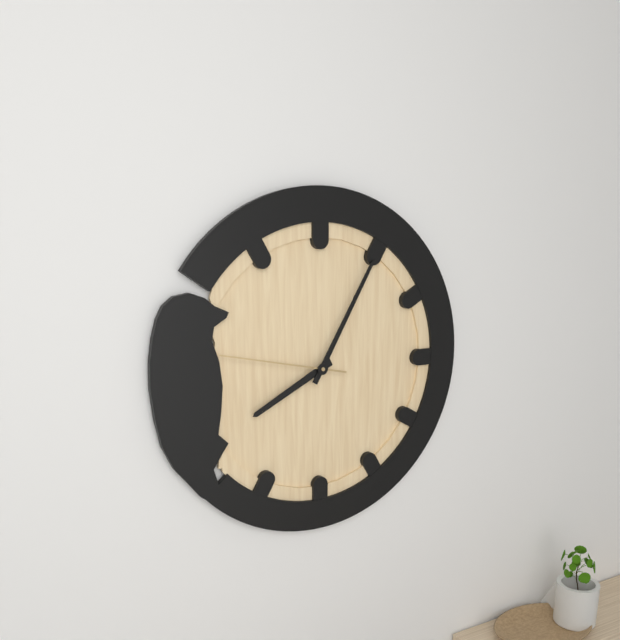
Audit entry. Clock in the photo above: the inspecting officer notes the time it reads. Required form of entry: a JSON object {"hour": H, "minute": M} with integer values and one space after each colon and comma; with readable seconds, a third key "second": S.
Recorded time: {"hour": 8, "minute": 5, "second": 47}
